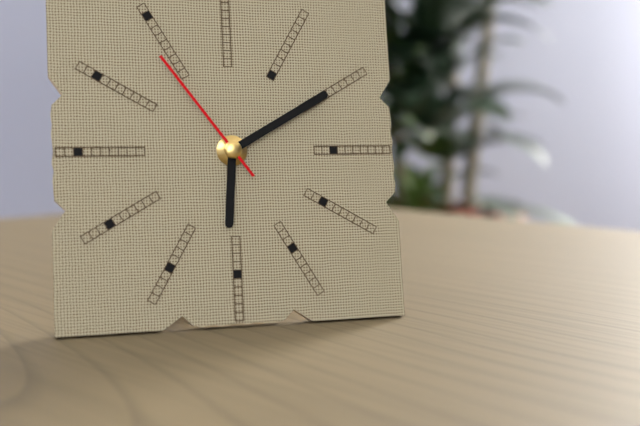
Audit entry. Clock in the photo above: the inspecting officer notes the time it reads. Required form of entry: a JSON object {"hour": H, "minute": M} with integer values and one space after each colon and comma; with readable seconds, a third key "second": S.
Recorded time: {"hour": 6, "minute": 10, "second": 54}
